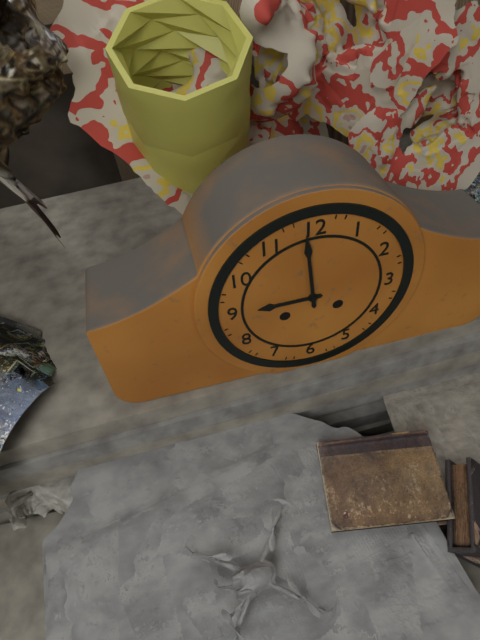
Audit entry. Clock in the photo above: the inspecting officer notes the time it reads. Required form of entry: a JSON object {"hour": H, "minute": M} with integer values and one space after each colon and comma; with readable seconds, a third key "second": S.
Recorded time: {"hour": 8, "minute": 59}
